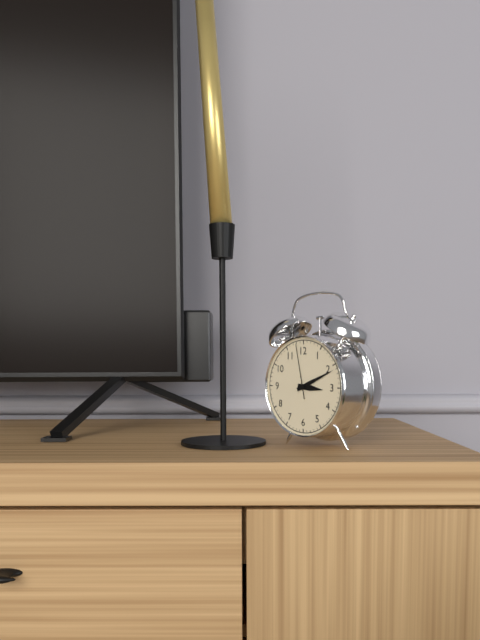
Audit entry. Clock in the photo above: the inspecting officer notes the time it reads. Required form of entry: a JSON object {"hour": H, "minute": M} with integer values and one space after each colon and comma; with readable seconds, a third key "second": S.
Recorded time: {"hour": 3, "minute": 11, "second": 58}
